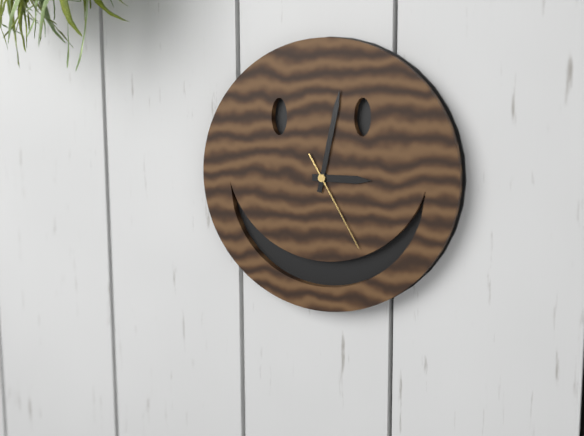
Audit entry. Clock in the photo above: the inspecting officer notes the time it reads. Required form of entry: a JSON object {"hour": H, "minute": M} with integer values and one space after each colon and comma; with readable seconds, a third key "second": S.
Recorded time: {"hour": 3, "minute": 2, "second": 25}
